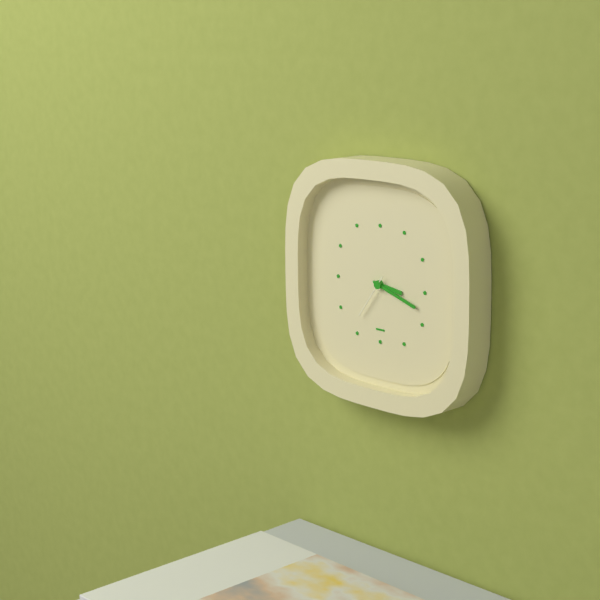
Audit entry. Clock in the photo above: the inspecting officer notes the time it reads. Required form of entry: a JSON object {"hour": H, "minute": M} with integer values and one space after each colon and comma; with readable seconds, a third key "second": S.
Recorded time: {"hour": 3, "minute": 18}
